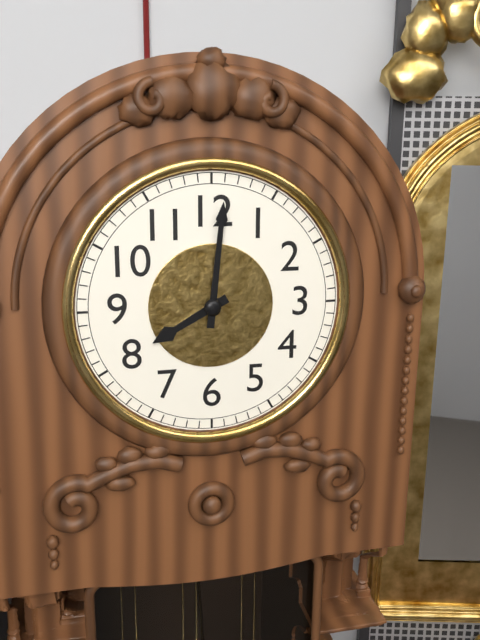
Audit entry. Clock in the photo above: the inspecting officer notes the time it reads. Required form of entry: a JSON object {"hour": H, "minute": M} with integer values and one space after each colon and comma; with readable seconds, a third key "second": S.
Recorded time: {"hour": 8, "minute": 1}
